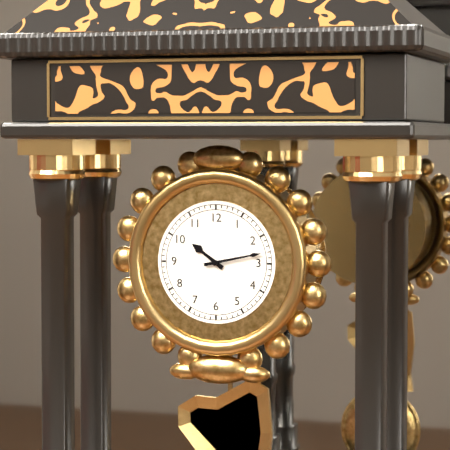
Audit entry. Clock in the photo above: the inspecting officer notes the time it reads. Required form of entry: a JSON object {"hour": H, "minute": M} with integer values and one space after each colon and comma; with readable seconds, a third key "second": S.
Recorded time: {"hour": 10, "minute": 13}
